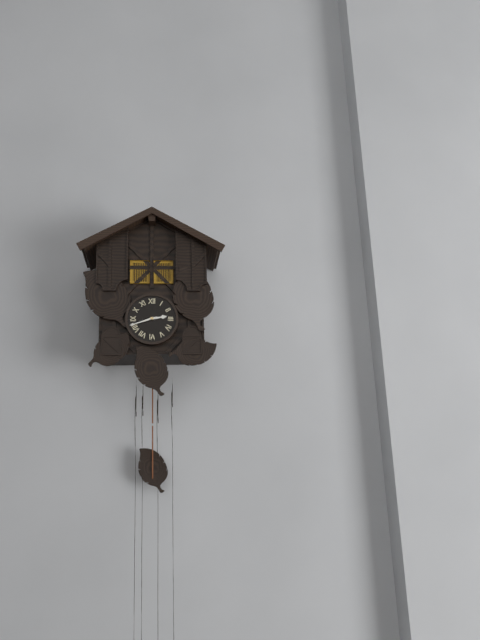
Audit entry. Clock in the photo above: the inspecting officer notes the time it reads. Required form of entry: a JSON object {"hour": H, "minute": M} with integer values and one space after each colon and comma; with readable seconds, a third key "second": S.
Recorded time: {"hour": 2, "minute": 42}
